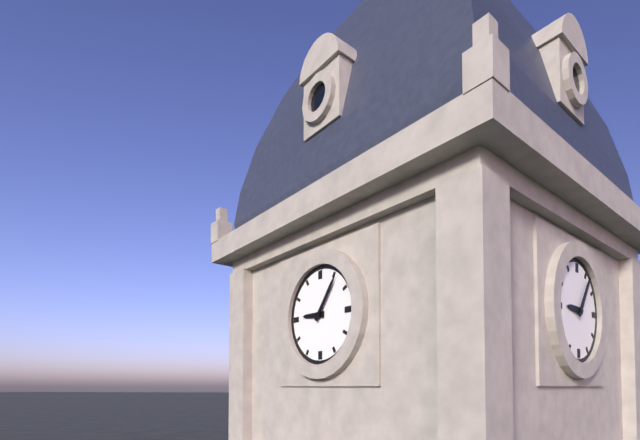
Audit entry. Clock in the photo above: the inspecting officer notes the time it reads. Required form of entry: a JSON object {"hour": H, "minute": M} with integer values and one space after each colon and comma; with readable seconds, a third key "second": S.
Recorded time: {"hour": 9, "minute": 6}
